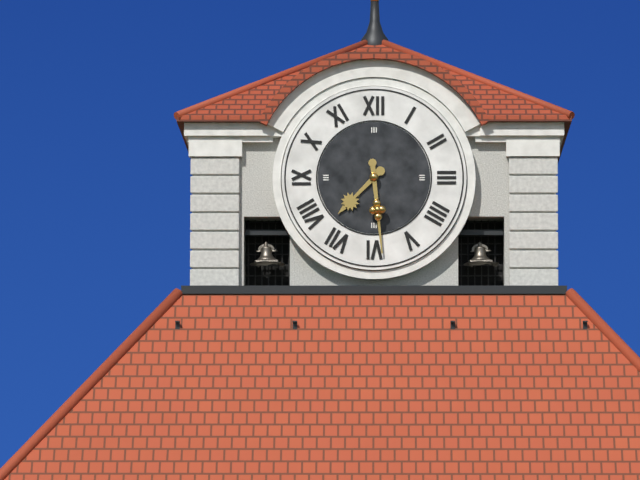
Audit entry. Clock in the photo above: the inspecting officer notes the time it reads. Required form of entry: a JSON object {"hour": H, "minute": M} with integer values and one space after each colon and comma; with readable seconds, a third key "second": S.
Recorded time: {"hour": 7, "minute": 29}
